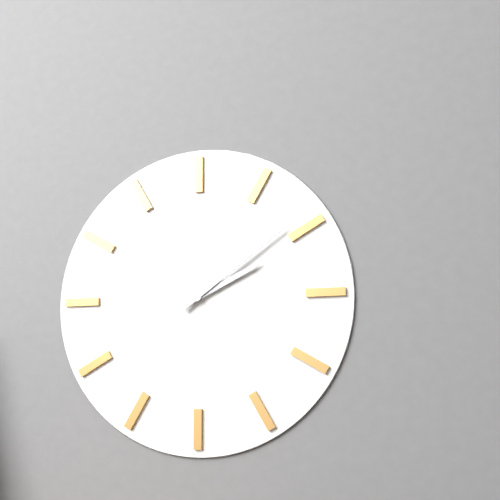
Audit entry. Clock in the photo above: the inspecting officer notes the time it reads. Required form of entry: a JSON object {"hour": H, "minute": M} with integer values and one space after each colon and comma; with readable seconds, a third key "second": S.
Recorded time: {"hour": 2, "minute": 9}
